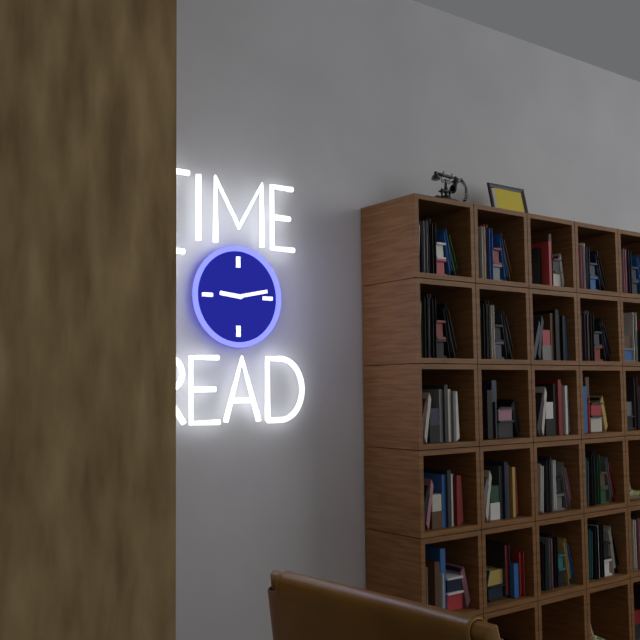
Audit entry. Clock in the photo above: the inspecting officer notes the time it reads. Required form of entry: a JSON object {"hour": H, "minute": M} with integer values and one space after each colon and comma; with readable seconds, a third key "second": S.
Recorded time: {"hour": 9, "minute": 13}
